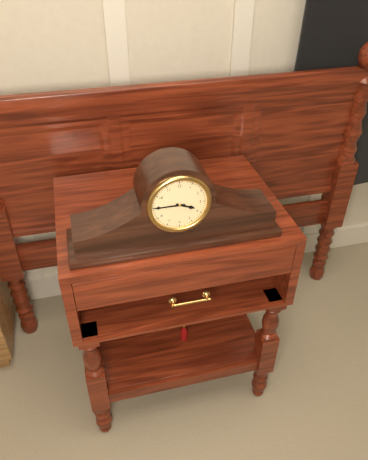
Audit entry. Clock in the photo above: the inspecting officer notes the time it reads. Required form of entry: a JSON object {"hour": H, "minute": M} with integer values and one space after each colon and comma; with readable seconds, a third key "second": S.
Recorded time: {"hour": 3, "minute": 45}
